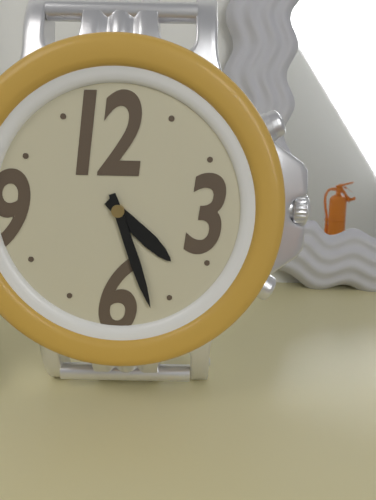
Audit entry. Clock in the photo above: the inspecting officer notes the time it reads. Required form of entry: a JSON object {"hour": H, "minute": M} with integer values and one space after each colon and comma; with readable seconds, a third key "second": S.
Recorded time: {"hour": 4, "minute": 27}
